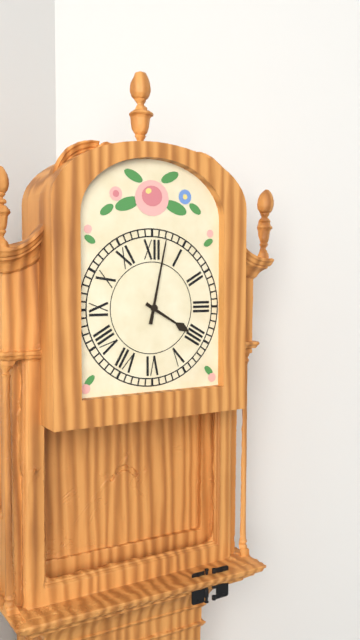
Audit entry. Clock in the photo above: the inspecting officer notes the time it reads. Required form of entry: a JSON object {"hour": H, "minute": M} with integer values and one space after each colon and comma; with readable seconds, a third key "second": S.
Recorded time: {"hour": 4, "minute": 2}
